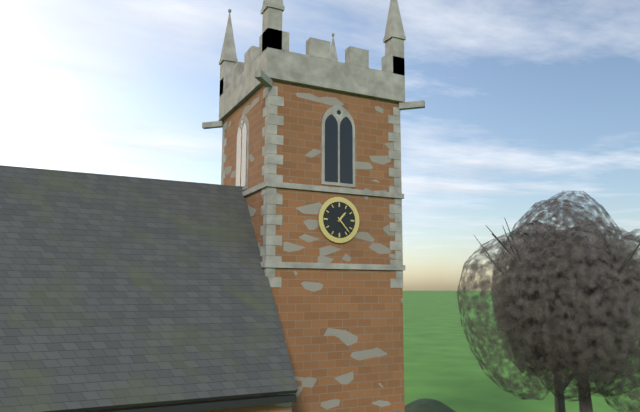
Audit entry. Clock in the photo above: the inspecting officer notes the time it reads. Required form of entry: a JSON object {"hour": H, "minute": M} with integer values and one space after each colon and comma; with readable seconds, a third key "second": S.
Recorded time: {"hour": 1, "minute": 23}
